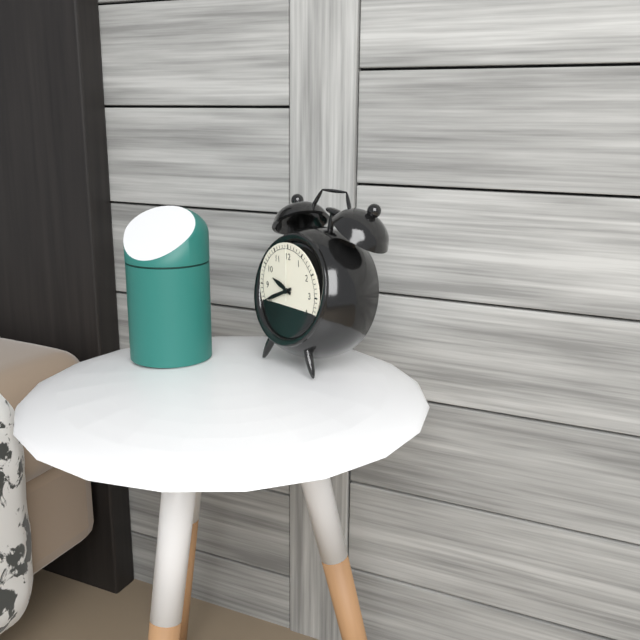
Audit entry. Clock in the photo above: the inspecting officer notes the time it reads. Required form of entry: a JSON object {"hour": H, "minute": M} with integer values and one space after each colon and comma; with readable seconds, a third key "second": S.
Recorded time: {"hour": 9, "minute": 41, "second": 0}
